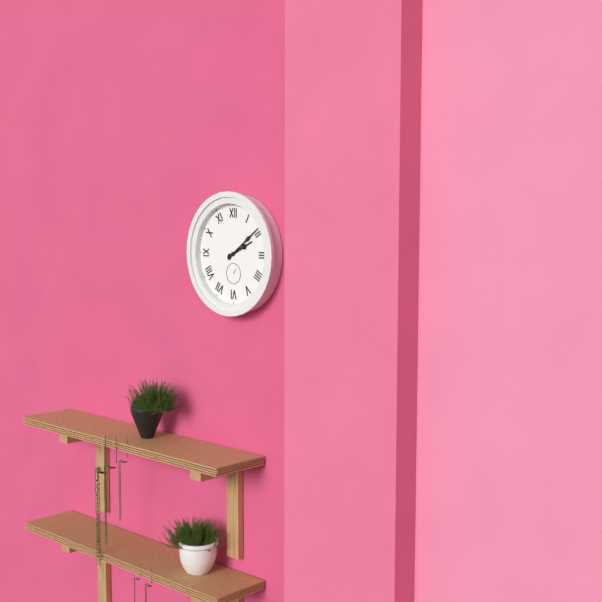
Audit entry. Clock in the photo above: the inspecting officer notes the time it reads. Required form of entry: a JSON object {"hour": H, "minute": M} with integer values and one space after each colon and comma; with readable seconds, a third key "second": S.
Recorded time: {"hour": 2, "minute": 9}
